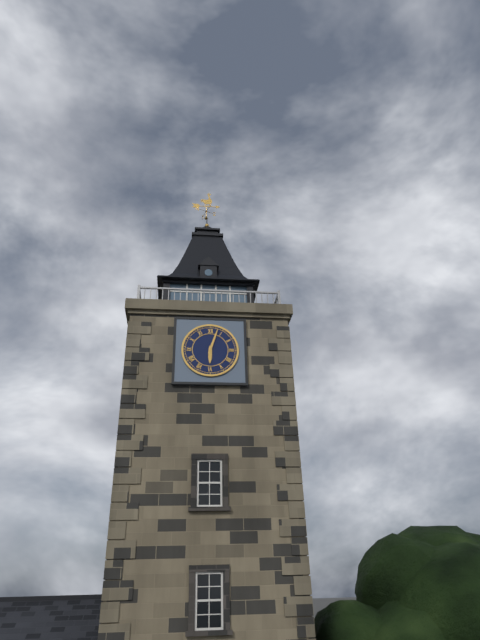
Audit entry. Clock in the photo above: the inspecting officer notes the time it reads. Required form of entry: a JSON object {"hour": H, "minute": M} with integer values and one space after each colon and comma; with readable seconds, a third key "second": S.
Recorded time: {"hour": 6, "minute": 3}
